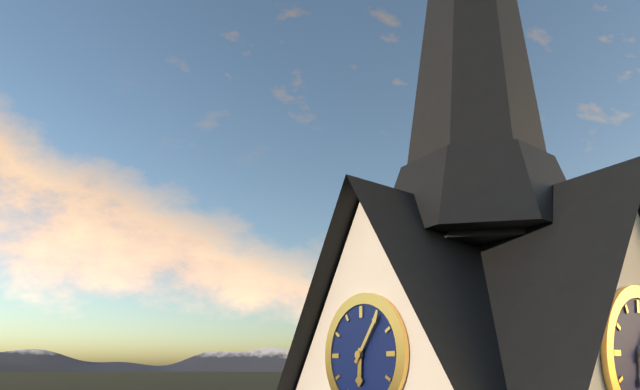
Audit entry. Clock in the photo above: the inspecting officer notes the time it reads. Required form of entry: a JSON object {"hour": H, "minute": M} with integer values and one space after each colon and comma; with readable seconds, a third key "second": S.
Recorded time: {"hour": 6, "minute": 6}
